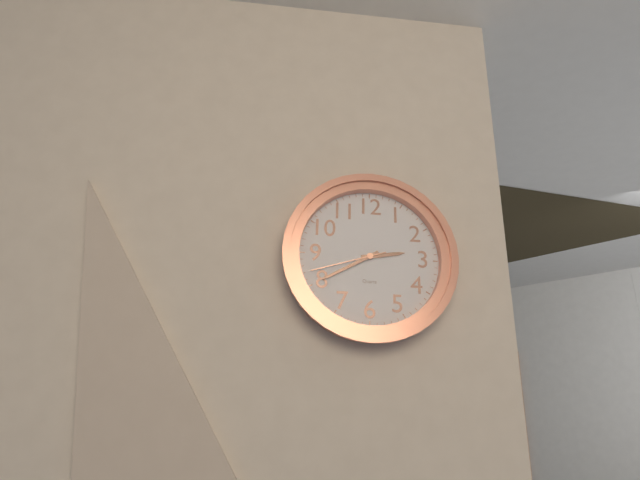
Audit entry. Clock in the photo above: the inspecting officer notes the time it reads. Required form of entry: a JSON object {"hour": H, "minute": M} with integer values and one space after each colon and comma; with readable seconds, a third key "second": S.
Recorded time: {"hour": 2, "minute": 40, "second": 42}
